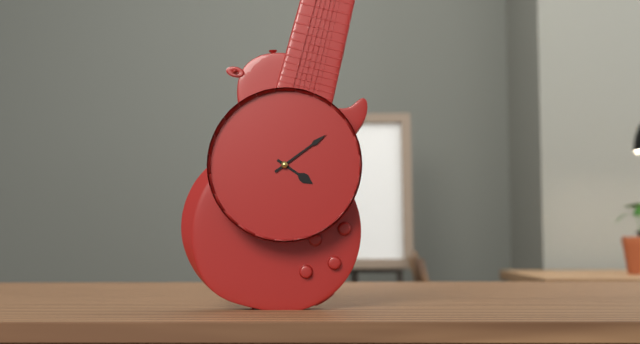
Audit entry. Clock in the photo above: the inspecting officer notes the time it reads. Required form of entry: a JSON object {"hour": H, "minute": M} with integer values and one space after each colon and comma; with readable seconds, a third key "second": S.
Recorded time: {"hour": 4, "minute": 9}
